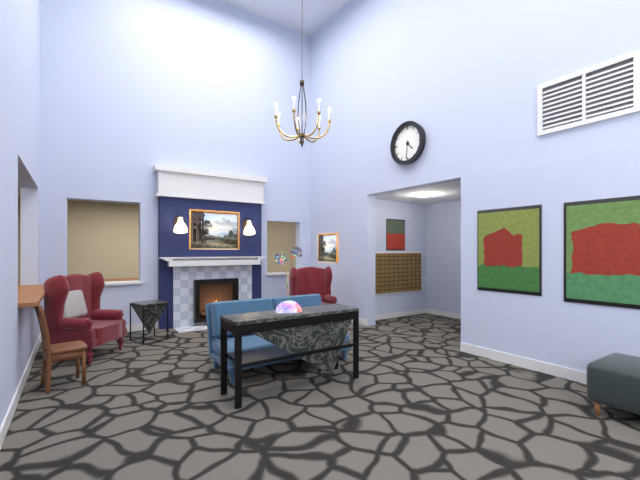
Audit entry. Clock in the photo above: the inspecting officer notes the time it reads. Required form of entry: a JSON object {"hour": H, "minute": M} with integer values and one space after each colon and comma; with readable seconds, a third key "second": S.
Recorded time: {"hour": 4, "minute": 31}
